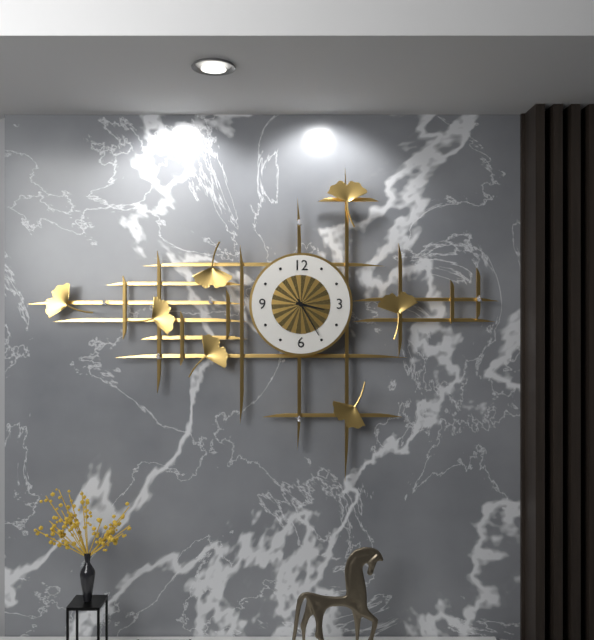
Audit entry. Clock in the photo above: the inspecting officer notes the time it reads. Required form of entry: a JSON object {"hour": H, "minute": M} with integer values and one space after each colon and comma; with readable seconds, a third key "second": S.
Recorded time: {"hour": 3, "minute": 25}
